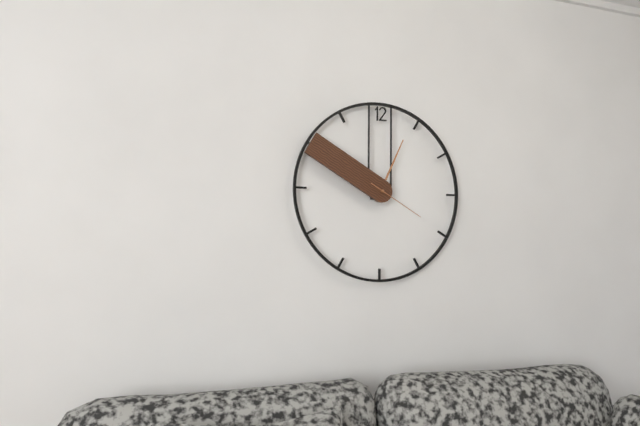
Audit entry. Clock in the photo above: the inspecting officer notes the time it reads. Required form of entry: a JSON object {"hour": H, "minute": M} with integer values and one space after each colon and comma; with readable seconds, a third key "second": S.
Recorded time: {"hour": 12, "minute": 50, "second": 20}
